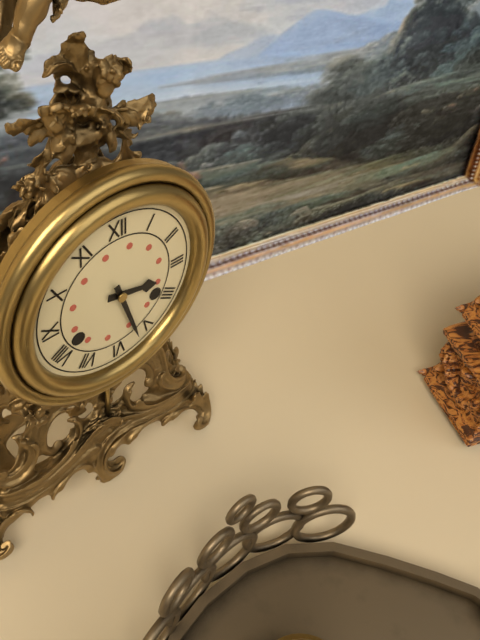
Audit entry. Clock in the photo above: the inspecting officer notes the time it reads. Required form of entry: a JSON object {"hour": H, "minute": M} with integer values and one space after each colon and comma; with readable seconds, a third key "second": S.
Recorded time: {"hour": 3, "minute": 27}
